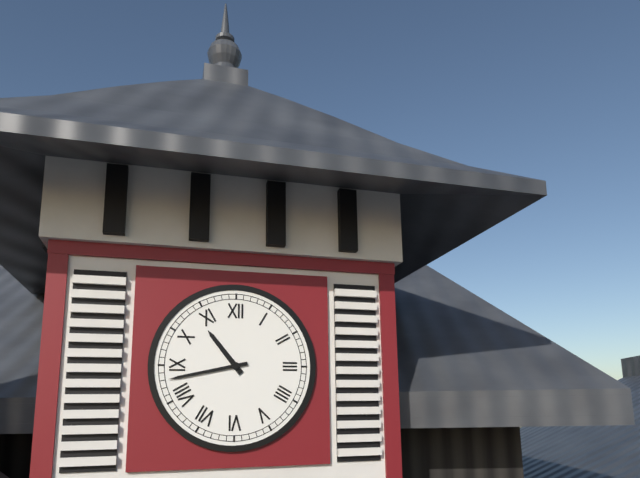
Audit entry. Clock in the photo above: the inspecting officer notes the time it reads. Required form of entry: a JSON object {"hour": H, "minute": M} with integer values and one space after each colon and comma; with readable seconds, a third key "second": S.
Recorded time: {"hour": 10, "minute": 43}
